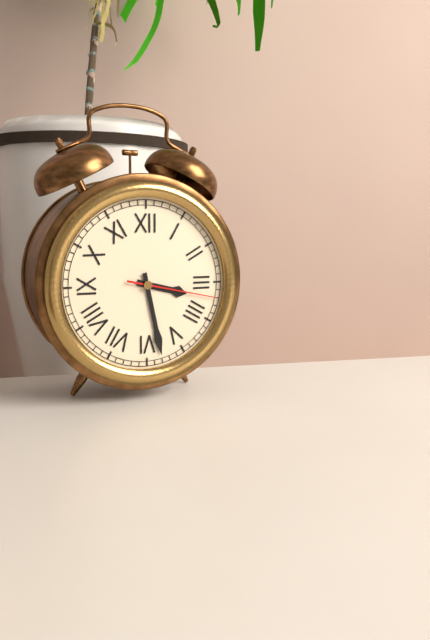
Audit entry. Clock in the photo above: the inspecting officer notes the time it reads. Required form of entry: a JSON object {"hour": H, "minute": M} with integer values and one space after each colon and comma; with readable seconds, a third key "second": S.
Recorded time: {"hour": 3, "minute": 28, "second": 17}
